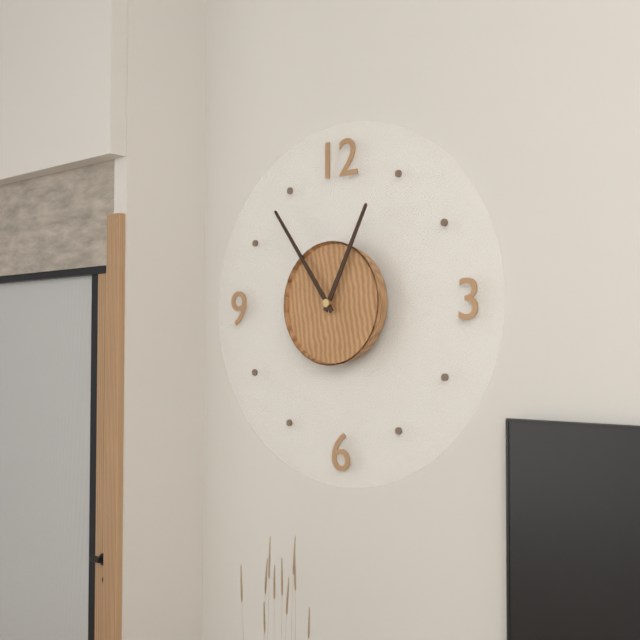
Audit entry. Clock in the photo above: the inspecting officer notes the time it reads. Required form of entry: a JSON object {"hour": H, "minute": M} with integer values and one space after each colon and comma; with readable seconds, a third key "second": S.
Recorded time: {"hour": 12, "minute": 54}
